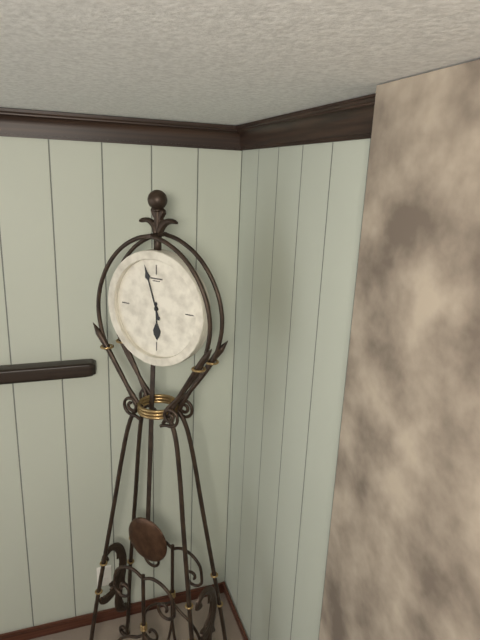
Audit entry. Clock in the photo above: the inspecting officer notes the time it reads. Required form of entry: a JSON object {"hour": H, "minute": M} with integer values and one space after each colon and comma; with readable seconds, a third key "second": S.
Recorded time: {"hour": 5, "minute": 57}
